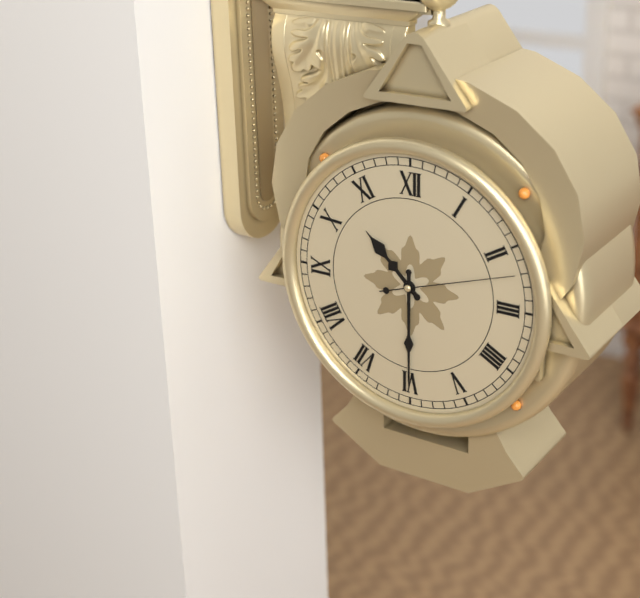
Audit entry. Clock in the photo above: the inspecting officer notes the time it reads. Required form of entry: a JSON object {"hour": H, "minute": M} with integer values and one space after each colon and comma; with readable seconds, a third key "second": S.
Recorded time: {"hour": 10, "minute": 30, "second": 12}
